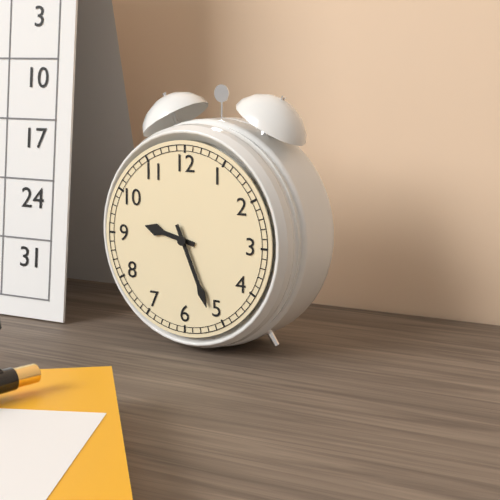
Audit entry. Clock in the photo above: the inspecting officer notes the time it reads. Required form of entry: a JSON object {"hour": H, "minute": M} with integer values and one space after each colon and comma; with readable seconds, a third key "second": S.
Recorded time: {"hour": 9, "minute": 26}
